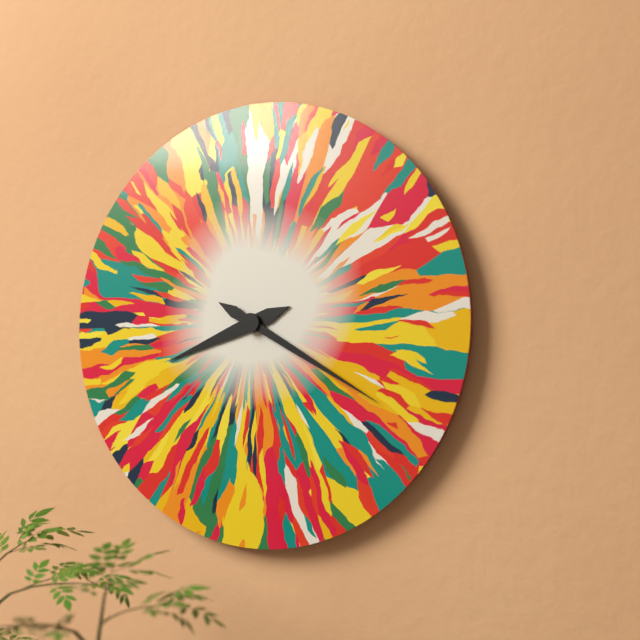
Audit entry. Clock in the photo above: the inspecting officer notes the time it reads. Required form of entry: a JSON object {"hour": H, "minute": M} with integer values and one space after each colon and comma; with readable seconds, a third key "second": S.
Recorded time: {"hour": 8, "minute": 20}
